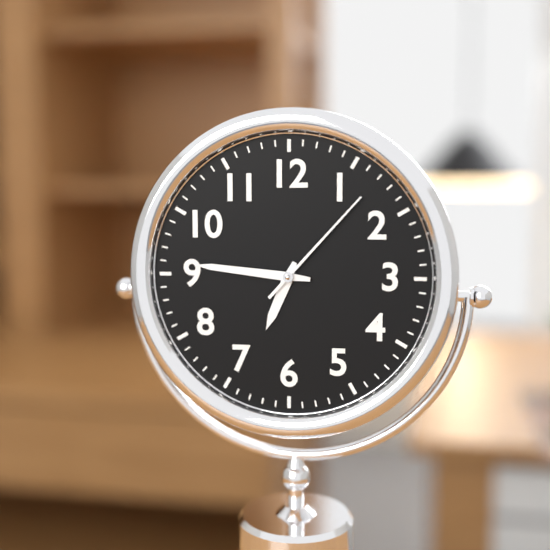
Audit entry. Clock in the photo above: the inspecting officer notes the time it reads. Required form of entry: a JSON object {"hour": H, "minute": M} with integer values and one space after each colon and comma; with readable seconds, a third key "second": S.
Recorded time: {"hour": 6, "minute": 46, "second": 7}
